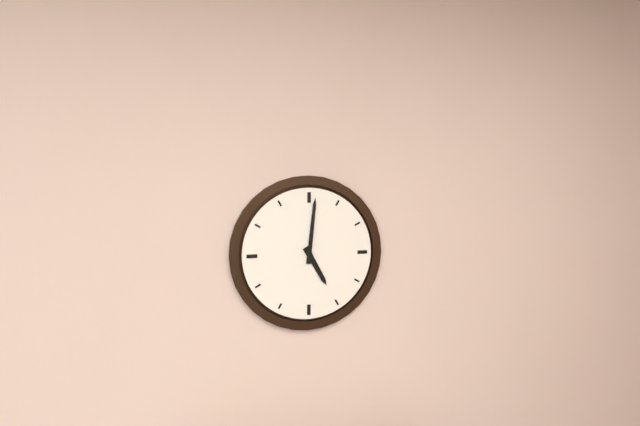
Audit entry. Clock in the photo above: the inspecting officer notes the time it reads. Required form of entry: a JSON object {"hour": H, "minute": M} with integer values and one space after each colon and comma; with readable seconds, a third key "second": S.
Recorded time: {"hour": 5, "minute": 1}
